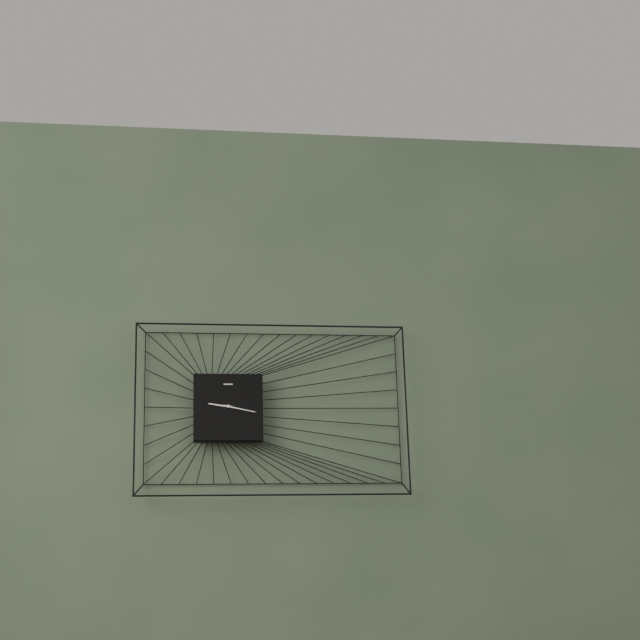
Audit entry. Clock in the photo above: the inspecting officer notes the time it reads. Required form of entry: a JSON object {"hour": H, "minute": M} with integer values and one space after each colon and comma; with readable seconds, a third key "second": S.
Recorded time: {"hour": 9, "minute": 17}
